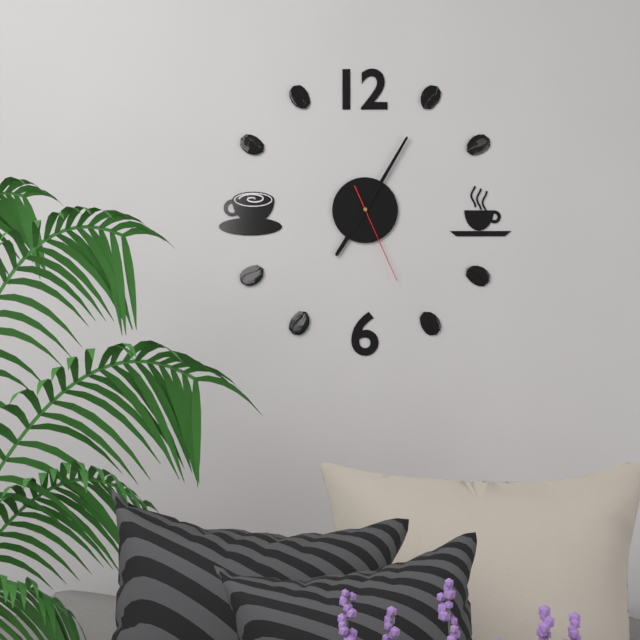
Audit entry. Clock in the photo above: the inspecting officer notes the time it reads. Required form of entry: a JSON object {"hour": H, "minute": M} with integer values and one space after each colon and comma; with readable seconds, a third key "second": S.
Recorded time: {"hour": 7, "minute": 5, "second": 26}
